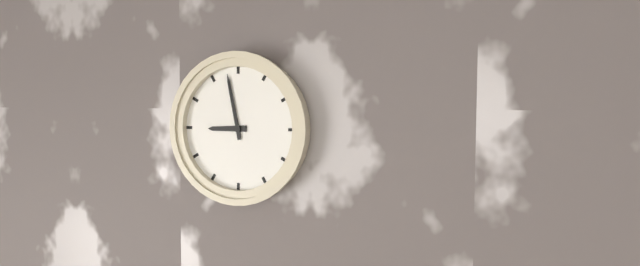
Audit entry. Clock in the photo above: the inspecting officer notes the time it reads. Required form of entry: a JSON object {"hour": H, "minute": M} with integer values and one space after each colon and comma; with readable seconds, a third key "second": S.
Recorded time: {"hour": 8, "minute": 58}
